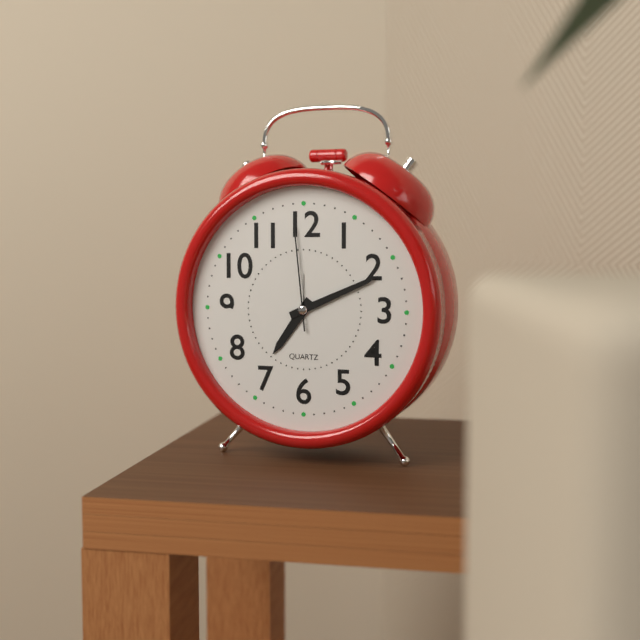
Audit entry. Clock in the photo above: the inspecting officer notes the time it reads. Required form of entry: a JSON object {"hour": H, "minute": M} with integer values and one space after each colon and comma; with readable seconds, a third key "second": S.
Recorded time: {"hour": 7, "minute": 11, "second": 59}
